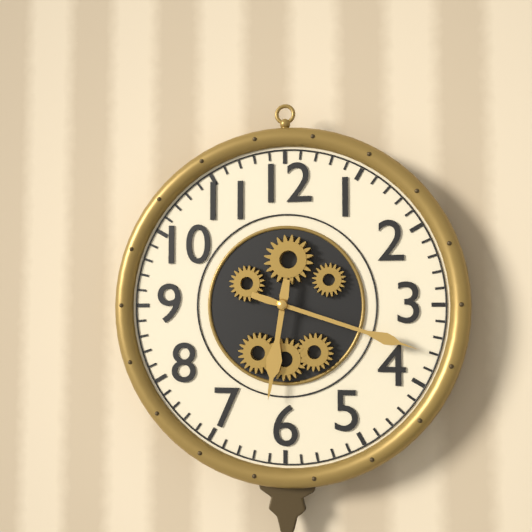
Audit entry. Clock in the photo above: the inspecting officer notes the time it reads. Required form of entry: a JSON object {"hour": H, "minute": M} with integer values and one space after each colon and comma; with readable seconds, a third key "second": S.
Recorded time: {"hour": 6, "minute": 18}
